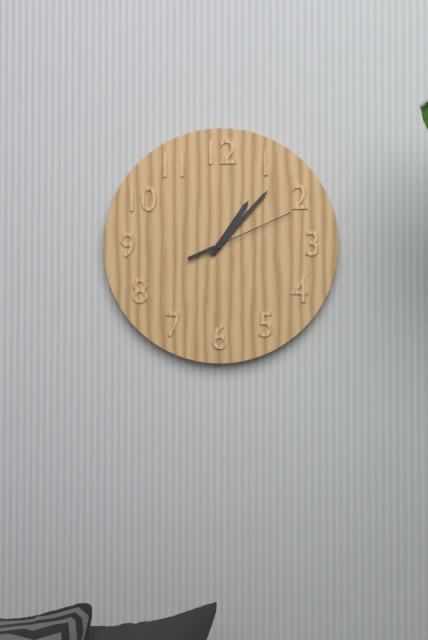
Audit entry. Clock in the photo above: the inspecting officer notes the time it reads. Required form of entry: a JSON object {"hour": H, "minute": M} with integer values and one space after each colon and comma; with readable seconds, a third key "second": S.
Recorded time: {"hour": 1, "minute": 7, "second": 11}
